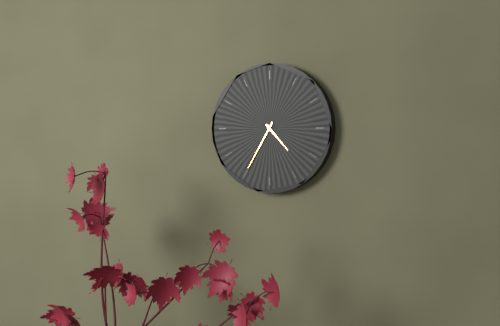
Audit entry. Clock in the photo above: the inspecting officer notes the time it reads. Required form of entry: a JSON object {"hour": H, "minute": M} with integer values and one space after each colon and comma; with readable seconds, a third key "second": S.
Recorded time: {"hour": 4, "minute": 35}
